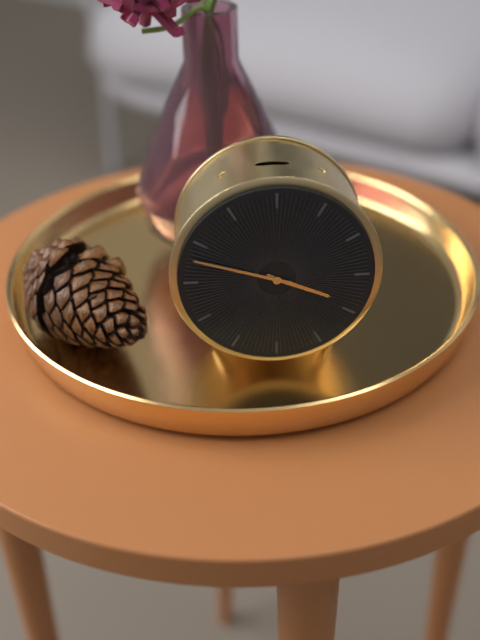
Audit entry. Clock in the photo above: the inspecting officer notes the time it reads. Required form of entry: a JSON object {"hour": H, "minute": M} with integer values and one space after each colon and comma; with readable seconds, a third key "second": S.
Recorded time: {"hour": 3, "minute": 48}
